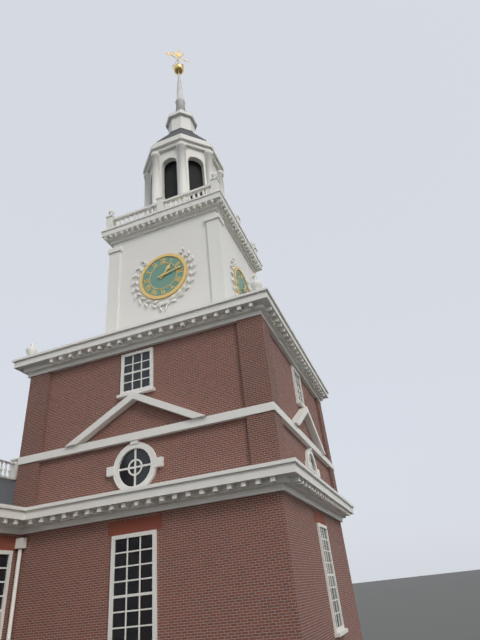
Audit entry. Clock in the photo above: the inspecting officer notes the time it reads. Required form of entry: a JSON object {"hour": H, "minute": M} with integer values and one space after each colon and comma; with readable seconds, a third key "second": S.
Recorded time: {"hour": 1, "minute": 13}
